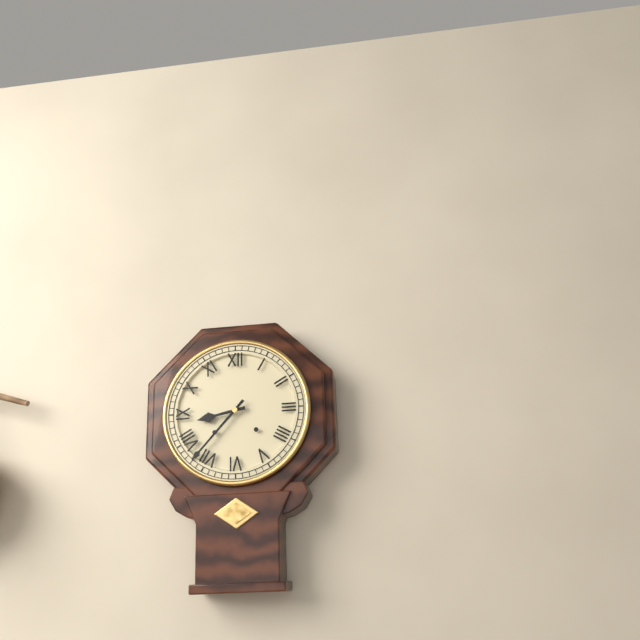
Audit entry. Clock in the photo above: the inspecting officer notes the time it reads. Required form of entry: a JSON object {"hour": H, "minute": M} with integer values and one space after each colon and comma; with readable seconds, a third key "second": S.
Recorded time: {"hour": 8, "minute": 37}
